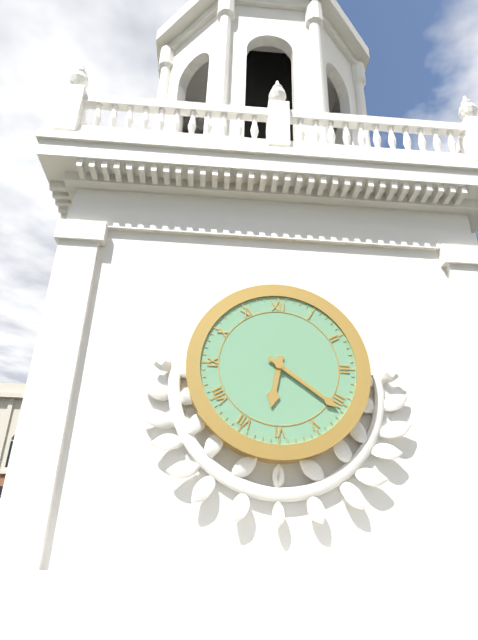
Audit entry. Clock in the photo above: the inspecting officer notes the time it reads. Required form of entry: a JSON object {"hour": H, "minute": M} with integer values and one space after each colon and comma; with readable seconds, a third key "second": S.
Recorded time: {"hour": 6, "minute": 21}
